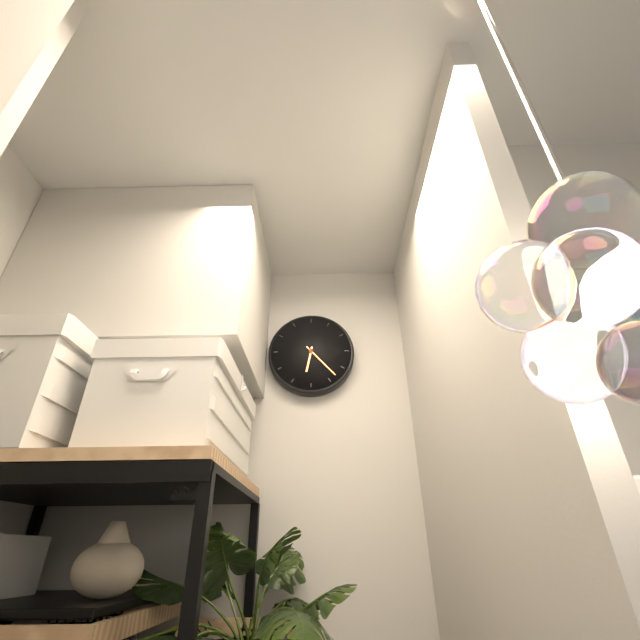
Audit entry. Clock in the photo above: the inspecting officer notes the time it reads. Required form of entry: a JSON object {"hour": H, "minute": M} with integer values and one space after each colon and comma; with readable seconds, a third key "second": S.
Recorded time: {"hour": 6, "minute": 23}
